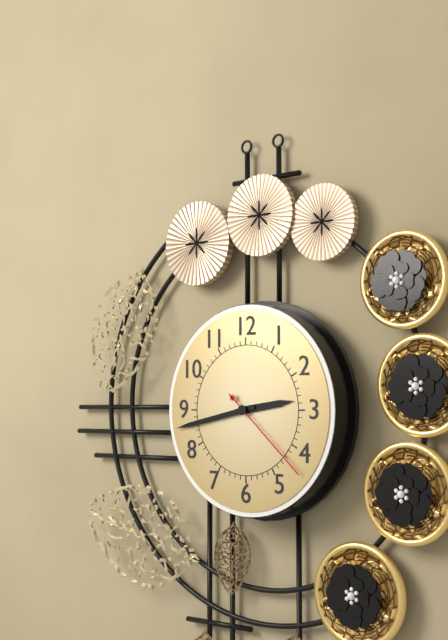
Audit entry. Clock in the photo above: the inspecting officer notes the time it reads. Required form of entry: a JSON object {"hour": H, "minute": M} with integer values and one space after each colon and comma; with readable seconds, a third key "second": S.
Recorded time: {"hour": 2, "minute": 43, "second": 22}
